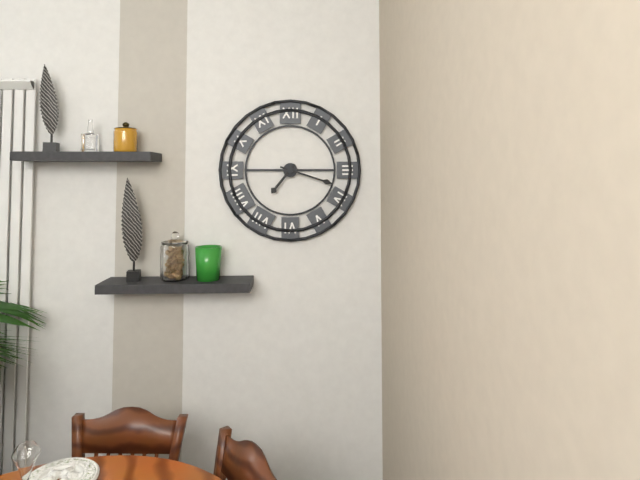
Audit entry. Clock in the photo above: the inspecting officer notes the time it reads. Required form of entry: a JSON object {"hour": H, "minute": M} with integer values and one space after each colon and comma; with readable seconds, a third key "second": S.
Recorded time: {"hour": 7, "minute": 18}
